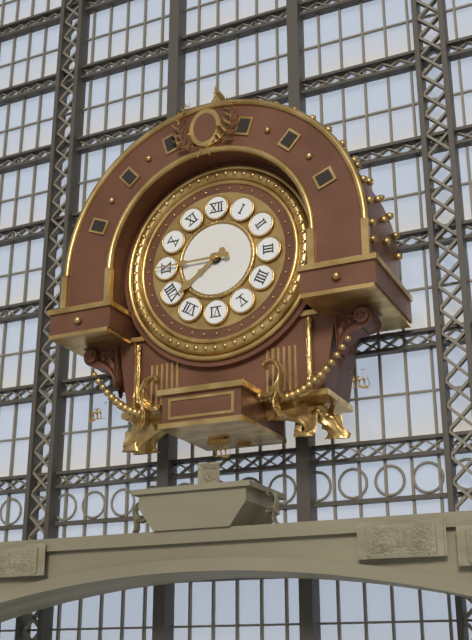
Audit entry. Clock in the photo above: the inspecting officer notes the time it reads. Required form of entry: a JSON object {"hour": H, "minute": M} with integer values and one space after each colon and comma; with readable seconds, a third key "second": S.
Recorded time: {"hour": 7, "minute": 45}
